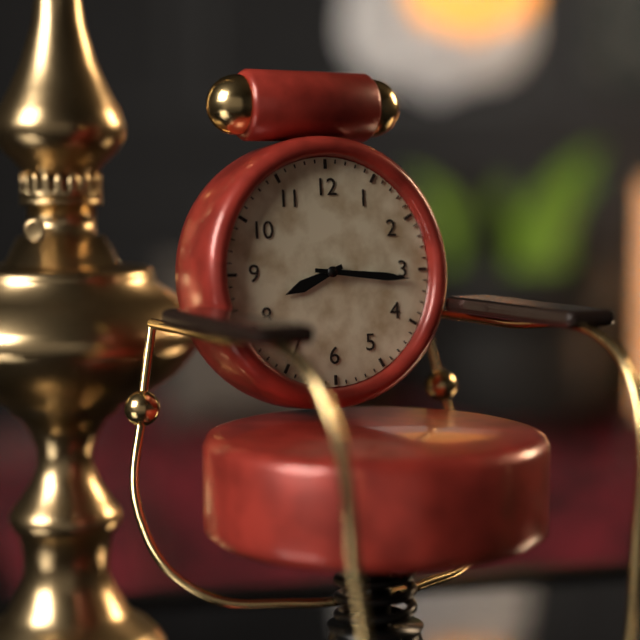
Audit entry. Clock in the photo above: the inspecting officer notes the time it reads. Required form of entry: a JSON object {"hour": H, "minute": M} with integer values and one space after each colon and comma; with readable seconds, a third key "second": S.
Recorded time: {"hour": 8, "minute": 16}
